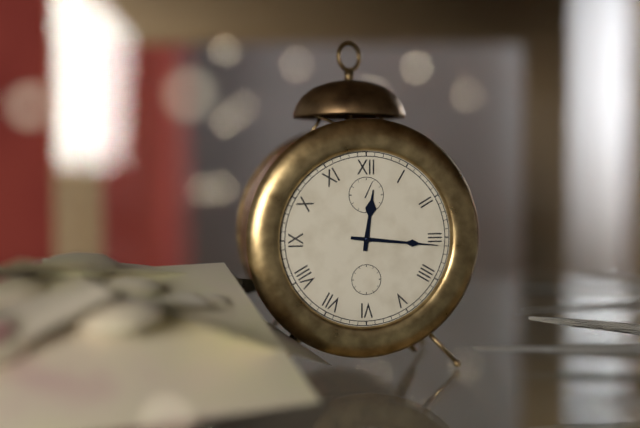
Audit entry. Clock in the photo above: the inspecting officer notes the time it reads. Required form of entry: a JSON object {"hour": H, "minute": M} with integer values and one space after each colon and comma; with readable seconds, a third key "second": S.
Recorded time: {"hour": 12, "minute": 16}
